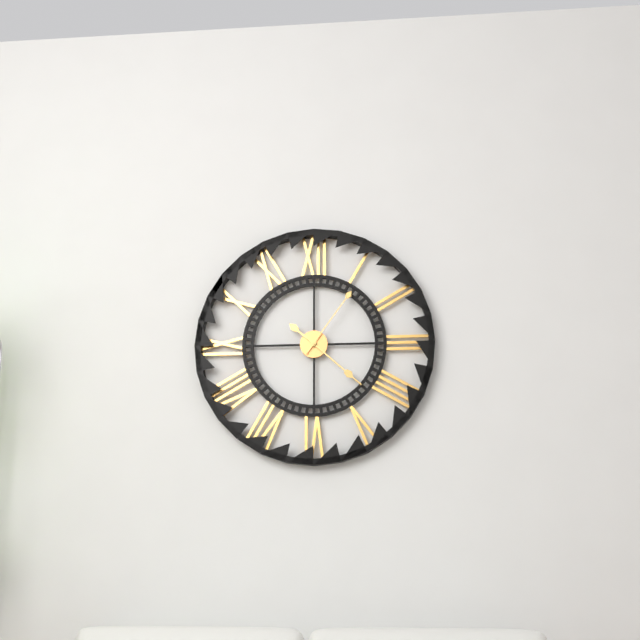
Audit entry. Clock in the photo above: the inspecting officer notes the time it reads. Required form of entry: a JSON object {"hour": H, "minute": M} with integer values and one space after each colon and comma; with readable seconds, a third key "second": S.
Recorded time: {"hour": 10, "minute": 22, "second": 6}
